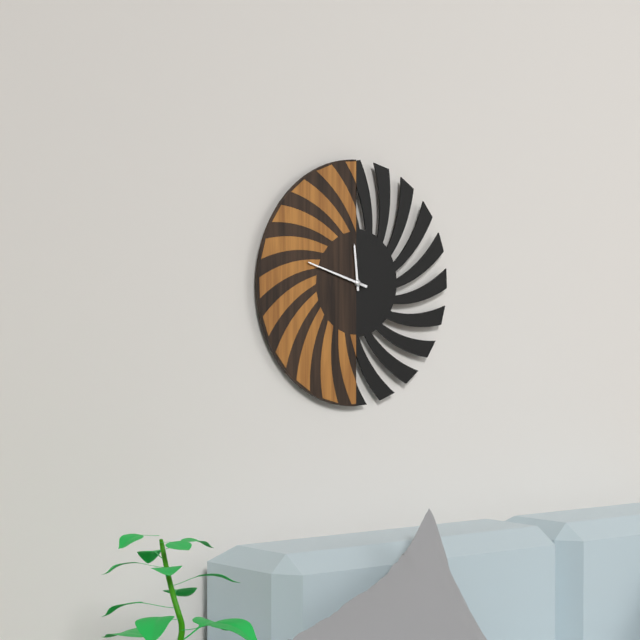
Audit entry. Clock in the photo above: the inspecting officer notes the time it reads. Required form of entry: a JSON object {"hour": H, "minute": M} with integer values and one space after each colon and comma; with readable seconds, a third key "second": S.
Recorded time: {"hour": 11, "minute": 48}
